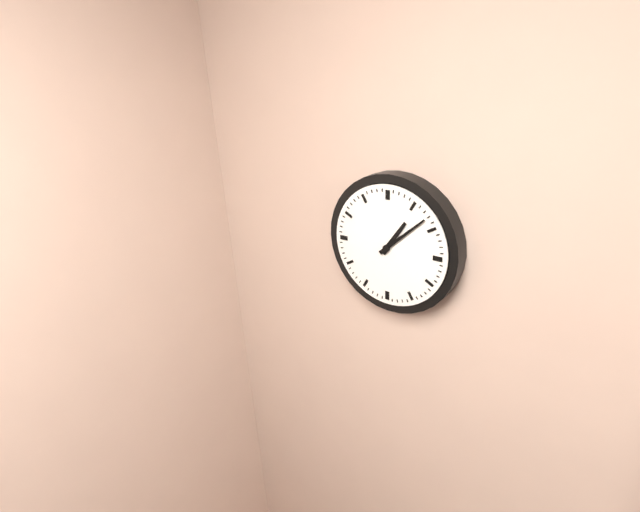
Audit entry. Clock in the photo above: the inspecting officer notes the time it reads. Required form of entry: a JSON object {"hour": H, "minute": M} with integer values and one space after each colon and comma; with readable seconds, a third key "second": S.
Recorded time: {"hour": 1, "minute": 8}
